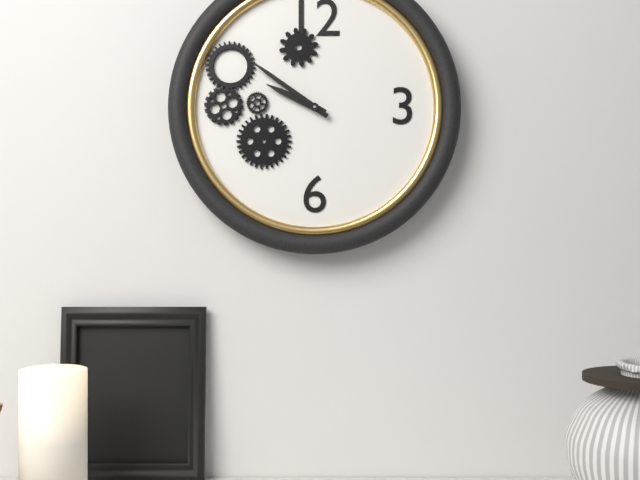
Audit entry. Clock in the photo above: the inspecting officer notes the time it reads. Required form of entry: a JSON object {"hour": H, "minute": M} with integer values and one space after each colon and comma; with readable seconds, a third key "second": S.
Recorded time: {"hour": 9, "minute": 51}
